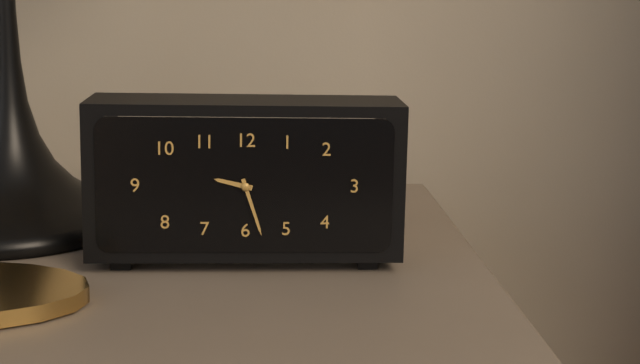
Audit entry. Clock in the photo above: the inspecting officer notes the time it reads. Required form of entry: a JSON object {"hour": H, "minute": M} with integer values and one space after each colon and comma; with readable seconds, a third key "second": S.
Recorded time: {"hour": 9, "minute": 27}
